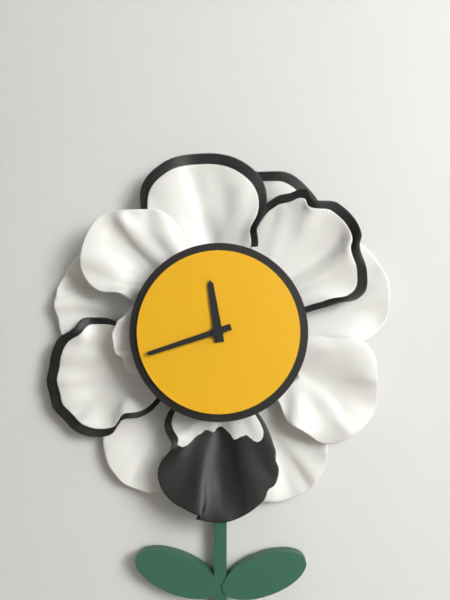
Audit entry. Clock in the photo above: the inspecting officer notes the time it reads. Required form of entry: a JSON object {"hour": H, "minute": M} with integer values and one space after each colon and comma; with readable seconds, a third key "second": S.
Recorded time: {"hour": 11, "minute": 42}
